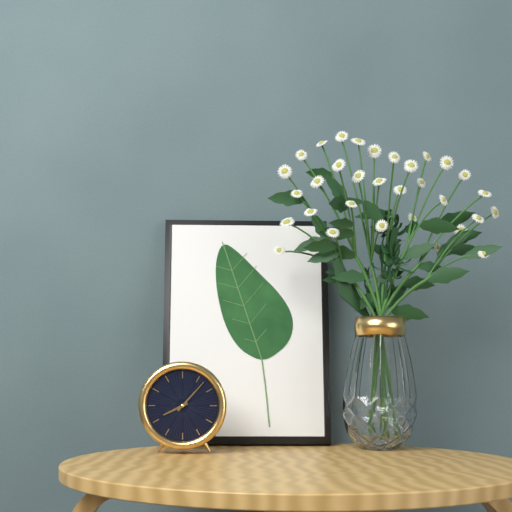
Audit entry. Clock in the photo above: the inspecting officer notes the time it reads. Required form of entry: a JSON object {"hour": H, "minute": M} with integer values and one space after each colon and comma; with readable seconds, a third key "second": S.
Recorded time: {"hour": 8, "minute": 7}
